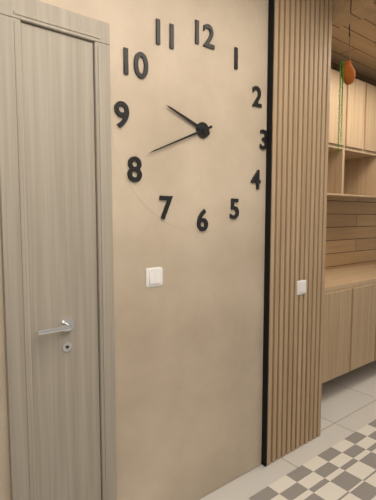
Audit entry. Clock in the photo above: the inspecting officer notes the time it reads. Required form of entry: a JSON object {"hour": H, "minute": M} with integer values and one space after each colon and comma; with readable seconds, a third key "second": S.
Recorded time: {"hour": 9, "minute": 41}
